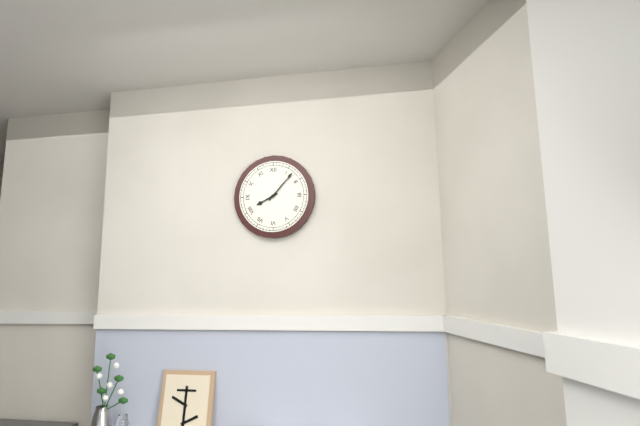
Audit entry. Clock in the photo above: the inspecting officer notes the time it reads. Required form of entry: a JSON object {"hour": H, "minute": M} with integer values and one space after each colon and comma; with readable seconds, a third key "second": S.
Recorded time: {"hour": 8, "minute": 7}
